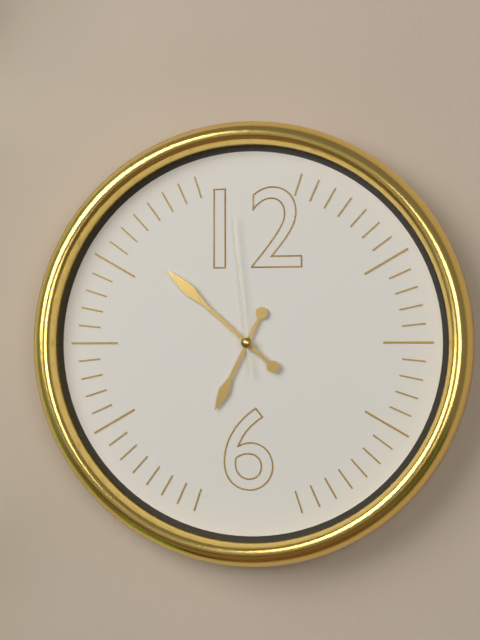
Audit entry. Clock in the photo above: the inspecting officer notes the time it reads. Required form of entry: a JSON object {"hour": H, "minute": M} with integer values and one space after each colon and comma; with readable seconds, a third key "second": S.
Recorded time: {"hour": 6, "minute": 52, "second": 59}
